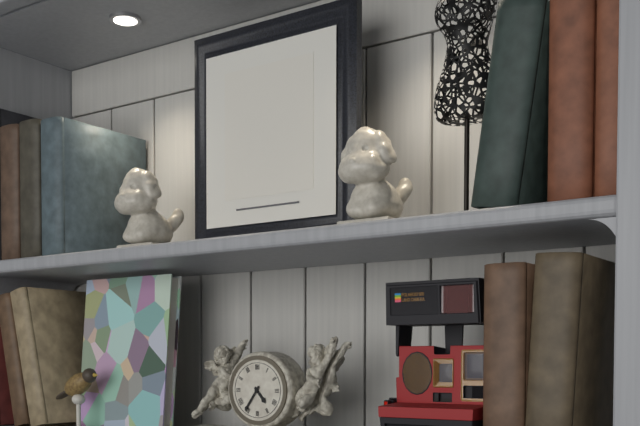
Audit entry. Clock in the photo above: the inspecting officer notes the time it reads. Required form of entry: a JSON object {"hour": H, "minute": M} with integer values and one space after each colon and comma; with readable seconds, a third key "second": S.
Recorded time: {"hour": 4, "minute": 36}
